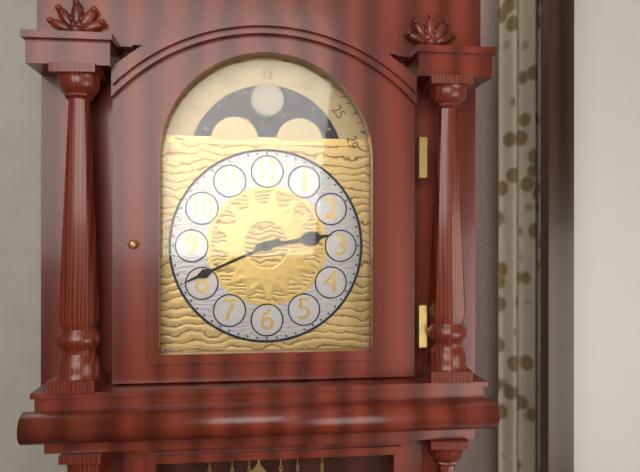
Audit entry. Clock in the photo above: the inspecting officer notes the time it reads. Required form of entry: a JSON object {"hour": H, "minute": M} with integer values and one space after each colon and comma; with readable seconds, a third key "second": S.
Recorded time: {"hour": 2, "minute": 41}
